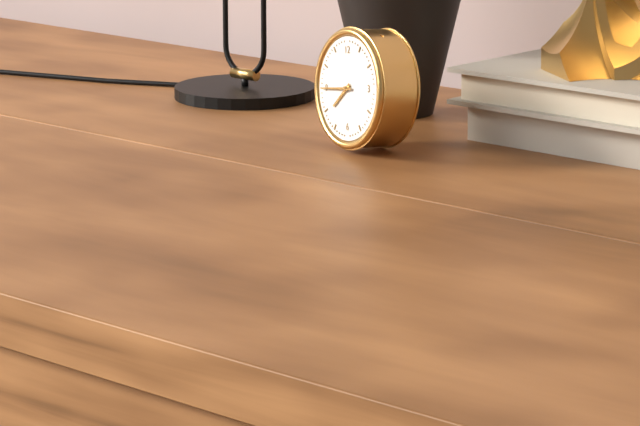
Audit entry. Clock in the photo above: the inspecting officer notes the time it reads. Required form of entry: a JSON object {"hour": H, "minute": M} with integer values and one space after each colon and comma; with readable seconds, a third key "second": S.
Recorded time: {"hour": 7, "minute": 45}
